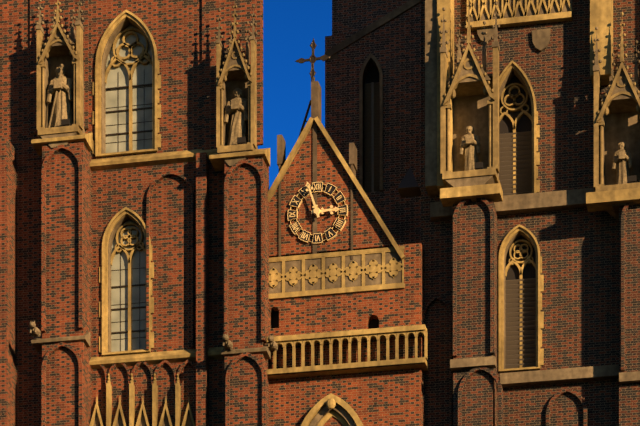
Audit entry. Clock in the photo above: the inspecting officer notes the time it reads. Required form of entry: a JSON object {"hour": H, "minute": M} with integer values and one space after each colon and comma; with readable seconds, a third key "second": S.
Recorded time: {"hour": 2, "minute": 57}
